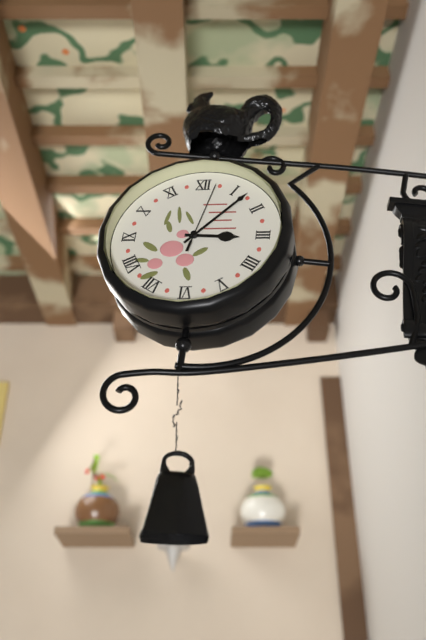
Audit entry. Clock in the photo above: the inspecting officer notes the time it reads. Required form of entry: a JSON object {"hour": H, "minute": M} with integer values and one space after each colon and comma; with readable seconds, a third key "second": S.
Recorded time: {"hour": 3, "minute": 7, "second": 2}
